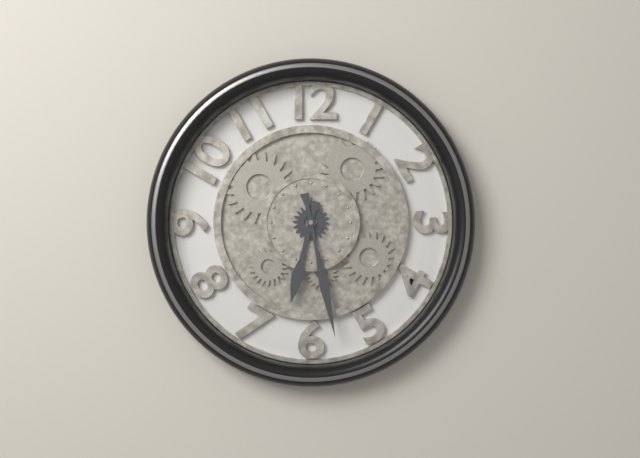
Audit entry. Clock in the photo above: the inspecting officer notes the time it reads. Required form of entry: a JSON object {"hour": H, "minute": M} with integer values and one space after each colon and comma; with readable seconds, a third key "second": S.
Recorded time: {"hour": 6, "minute": 28}
